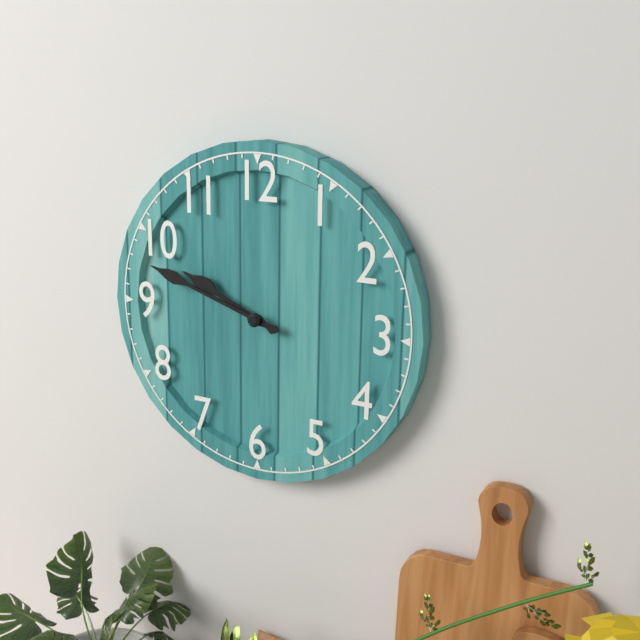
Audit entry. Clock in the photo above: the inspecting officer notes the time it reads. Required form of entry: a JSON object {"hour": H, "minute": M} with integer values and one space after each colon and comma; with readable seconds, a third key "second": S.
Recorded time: {"hour": 9, "minute": 48}
